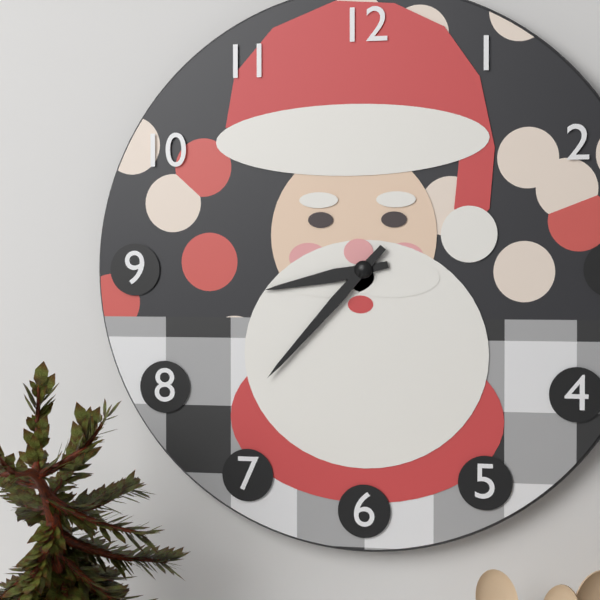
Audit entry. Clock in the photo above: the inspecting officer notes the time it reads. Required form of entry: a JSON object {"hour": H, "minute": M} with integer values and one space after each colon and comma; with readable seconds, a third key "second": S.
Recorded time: {"hour": 8, "minute": 37}
